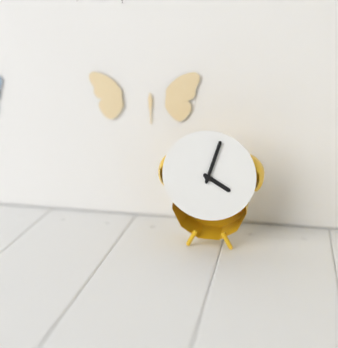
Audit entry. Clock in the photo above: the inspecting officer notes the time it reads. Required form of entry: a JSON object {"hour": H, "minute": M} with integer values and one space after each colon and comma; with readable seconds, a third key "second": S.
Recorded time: {"hour": 4, "minute": 3}
